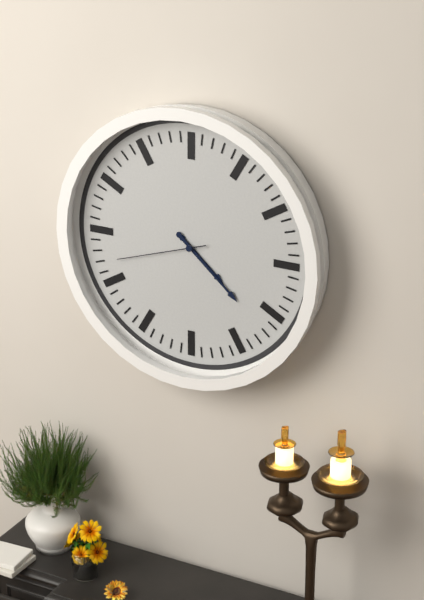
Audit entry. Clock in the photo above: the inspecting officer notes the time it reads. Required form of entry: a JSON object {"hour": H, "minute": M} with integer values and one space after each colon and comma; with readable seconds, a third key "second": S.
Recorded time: {"hour": 4, "minute": 22, "second": 42}
